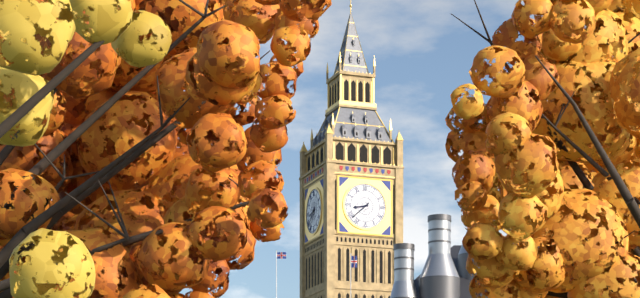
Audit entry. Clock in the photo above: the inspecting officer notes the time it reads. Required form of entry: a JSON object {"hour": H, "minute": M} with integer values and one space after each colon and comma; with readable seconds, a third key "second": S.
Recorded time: {"hour": 8, "minute": 38}
